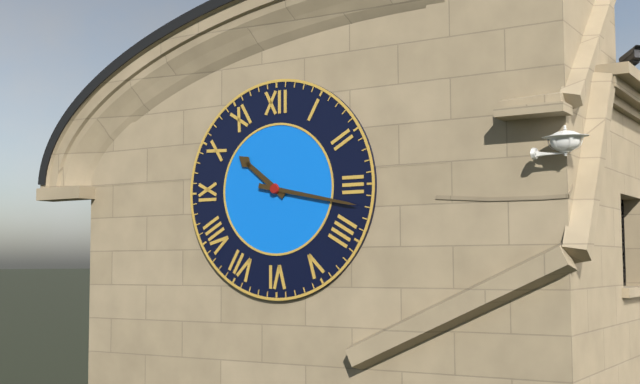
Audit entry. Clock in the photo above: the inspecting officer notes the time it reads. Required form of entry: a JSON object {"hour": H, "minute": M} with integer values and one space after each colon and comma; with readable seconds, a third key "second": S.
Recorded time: {"hour": 10, "minute": 17}
